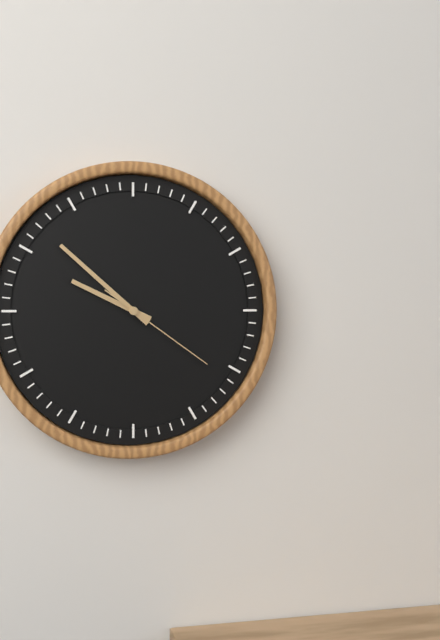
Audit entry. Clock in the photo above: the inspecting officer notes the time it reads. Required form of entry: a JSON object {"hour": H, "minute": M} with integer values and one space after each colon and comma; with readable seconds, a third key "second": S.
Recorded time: {"hour": 9, "minute": 52, "second": 21}
